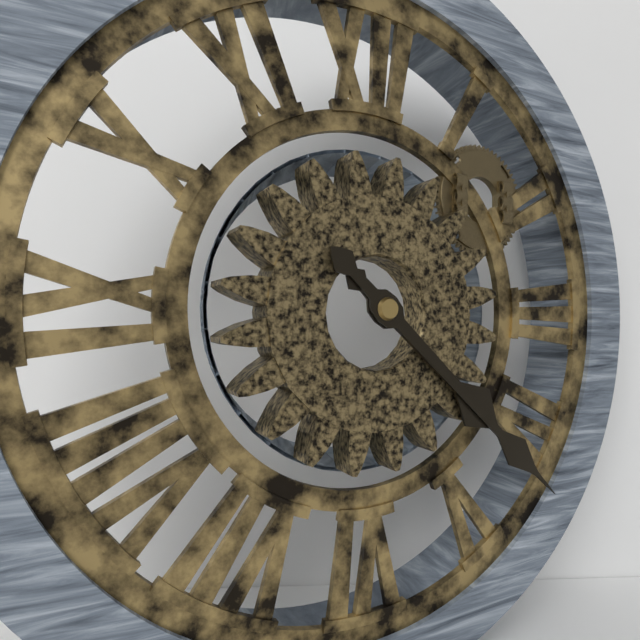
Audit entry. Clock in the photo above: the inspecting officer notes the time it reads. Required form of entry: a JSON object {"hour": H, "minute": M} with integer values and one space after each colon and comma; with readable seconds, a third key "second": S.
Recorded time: {"hour": 4, "minute": 22}
